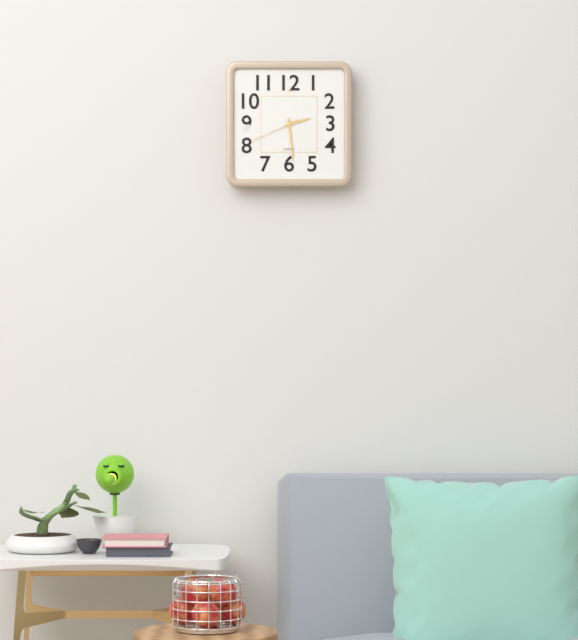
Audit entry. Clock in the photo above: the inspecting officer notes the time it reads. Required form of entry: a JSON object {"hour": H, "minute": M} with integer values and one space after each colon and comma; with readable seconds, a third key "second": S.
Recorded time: {"hour": 2, "minute": 29, "second": 41}
